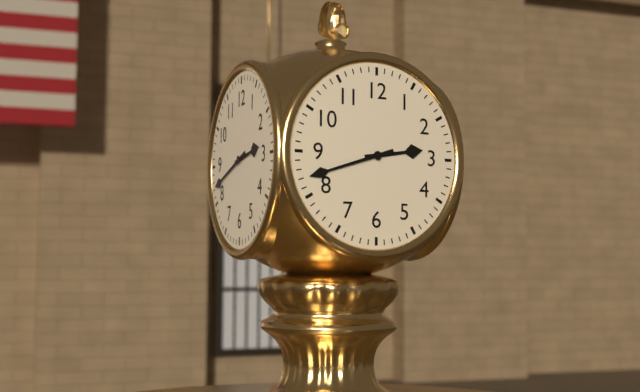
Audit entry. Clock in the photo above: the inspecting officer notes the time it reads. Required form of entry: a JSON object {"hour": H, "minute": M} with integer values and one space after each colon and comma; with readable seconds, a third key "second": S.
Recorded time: {"hour": 2, "minute": 42}
